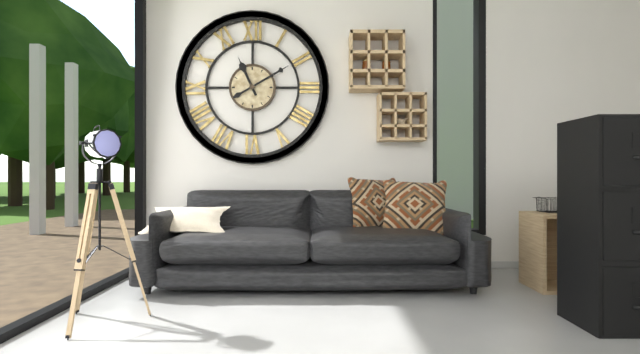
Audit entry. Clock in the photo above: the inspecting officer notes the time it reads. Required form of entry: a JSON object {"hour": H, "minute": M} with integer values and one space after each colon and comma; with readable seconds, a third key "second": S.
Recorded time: {"hour": 11, "minute": 10}
